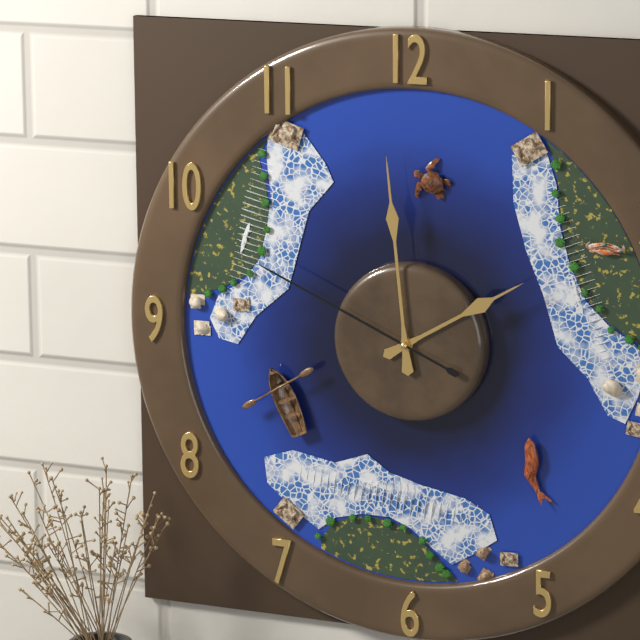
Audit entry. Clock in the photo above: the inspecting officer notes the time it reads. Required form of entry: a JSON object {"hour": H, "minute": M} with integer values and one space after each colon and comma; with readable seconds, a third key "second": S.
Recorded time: {"hour": 1, "minute": 59, "second": 49}
